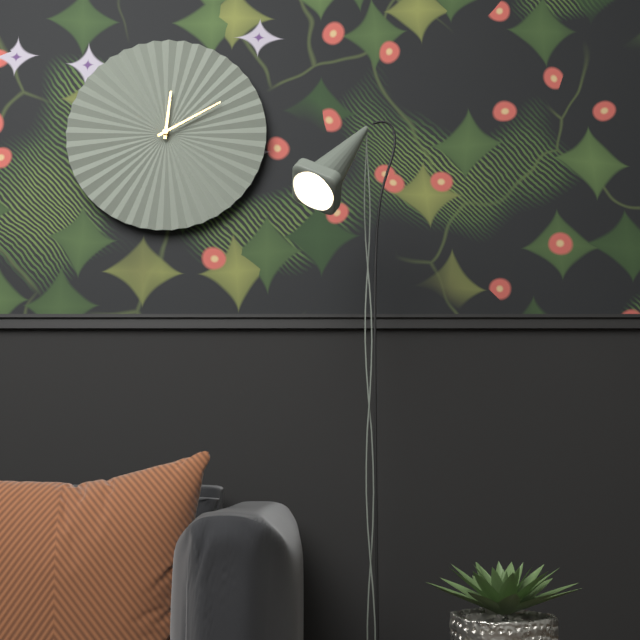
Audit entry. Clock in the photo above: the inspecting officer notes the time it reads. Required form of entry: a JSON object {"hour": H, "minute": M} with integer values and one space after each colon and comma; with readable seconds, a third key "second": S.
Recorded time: {"hour": 12, "minute": 10}
